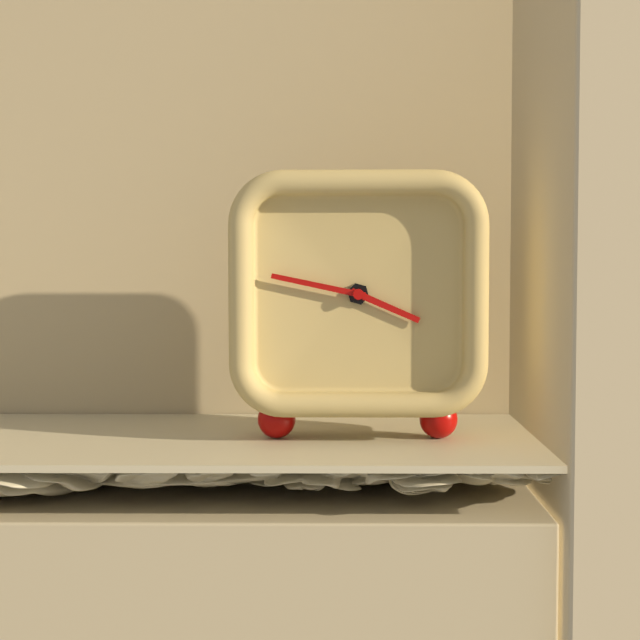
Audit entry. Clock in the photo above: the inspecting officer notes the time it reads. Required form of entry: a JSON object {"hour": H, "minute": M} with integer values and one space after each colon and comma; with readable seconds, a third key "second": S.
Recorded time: {"hour": 3, "minute": 47}
